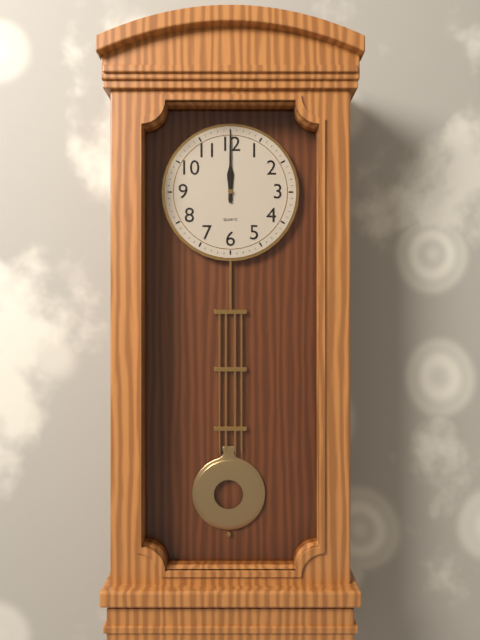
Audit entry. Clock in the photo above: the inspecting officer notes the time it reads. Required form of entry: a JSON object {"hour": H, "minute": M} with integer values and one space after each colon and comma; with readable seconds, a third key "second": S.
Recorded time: {"hour": 12, "minute": 0}
